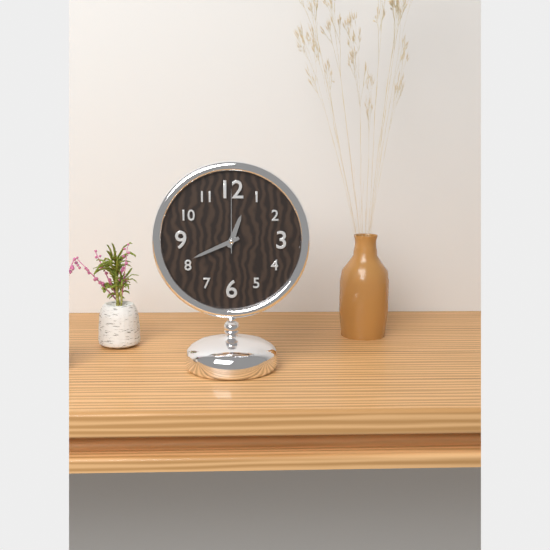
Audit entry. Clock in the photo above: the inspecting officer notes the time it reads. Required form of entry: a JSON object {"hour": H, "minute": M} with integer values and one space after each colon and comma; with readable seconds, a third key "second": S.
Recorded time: {"hour": 12, "minute": 41, "second": 0}
